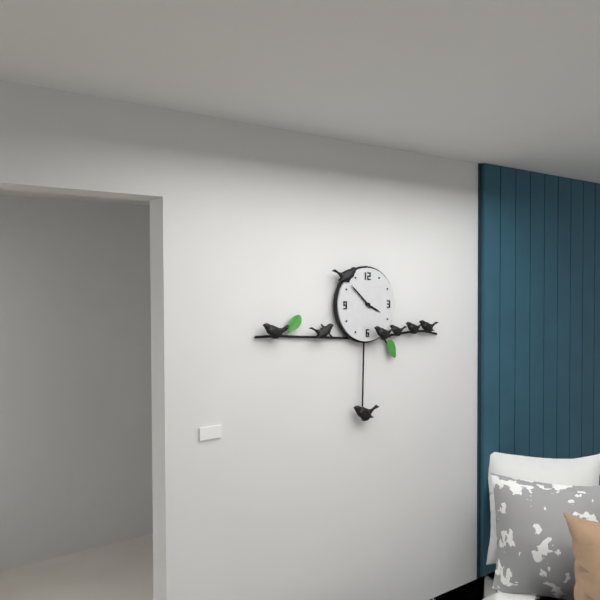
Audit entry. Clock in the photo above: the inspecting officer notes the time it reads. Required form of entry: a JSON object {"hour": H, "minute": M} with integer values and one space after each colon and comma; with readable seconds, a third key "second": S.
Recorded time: {"hour": 3, "minute": 52}
